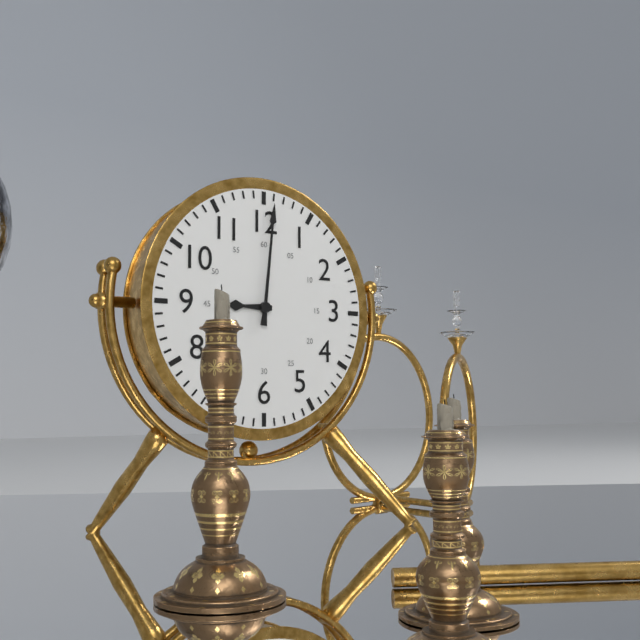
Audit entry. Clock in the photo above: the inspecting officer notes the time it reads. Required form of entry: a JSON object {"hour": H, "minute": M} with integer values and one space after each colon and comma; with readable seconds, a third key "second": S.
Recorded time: {"hour": 9, "minute": 1}
